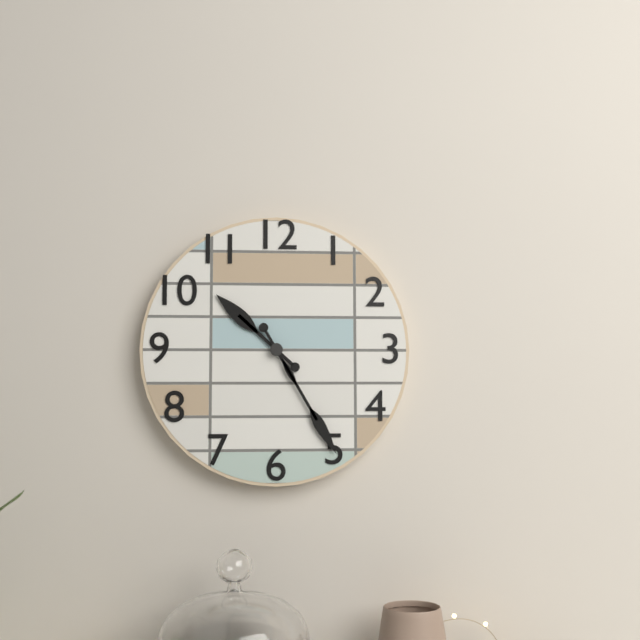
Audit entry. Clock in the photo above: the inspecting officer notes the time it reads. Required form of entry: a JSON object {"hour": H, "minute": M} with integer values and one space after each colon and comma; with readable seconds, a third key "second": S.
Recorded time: {"hour": 10, "minute": 25}
